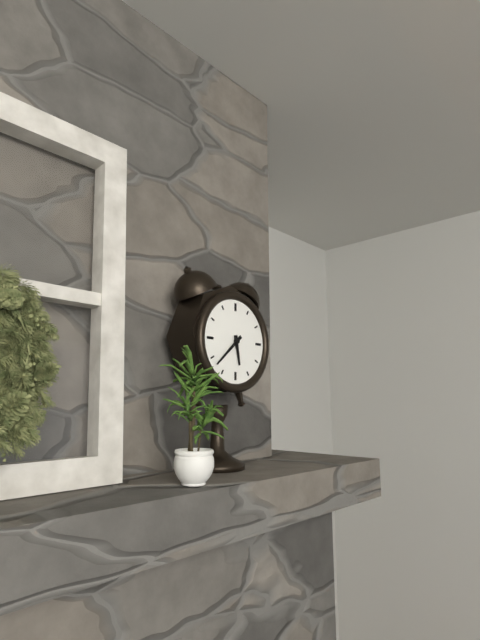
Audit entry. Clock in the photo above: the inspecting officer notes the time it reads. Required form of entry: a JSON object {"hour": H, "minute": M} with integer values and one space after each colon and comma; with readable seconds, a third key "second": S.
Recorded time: {"hour": 5, "minute": 38}
